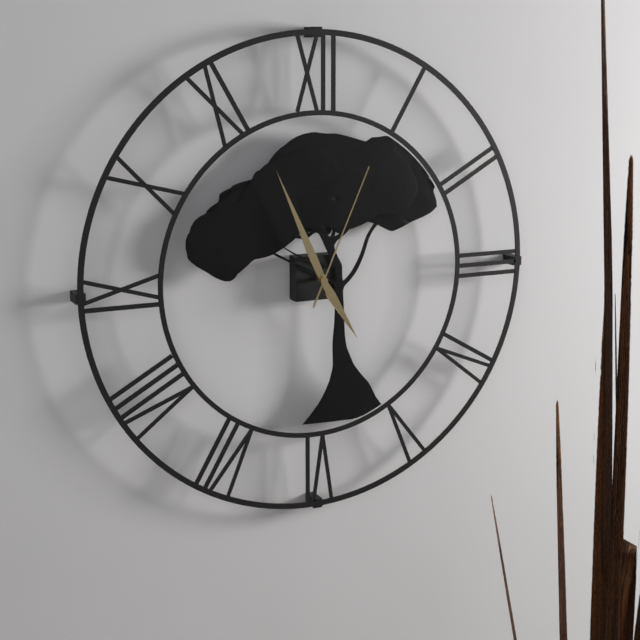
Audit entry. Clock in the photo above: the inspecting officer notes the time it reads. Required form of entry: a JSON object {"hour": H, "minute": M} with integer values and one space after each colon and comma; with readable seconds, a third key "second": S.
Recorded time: {"hour": 4, "minute": 56, "second": 4}
